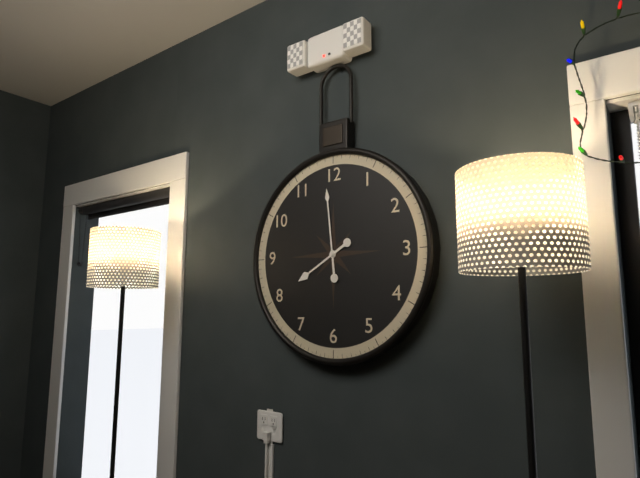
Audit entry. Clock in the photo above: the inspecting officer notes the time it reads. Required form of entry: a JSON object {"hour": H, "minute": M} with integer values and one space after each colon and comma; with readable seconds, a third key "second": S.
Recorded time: {"hour": 7, "minute": 59}
